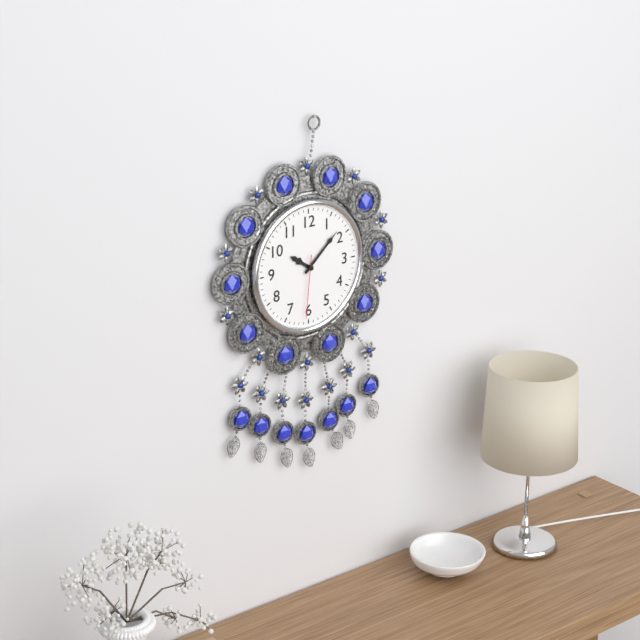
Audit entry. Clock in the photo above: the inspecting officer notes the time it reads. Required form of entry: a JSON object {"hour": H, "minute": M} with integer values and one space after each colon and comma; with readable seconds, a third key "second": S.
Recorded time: {"hour": 10, "minute": 8, "second": 31}
